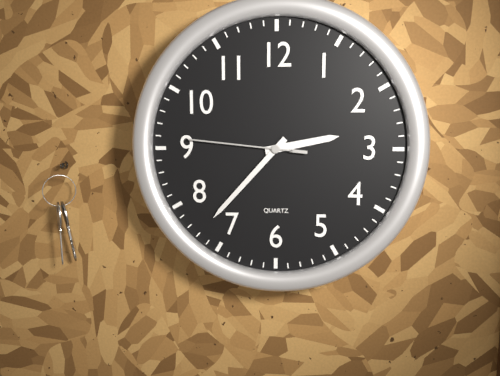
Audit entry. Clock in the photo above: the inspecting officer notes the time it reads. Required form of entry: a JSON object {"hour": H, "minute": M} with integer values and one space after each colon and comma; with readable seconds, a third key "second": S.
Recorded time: {"hour": 2, "minute": 37, "second": 46}
